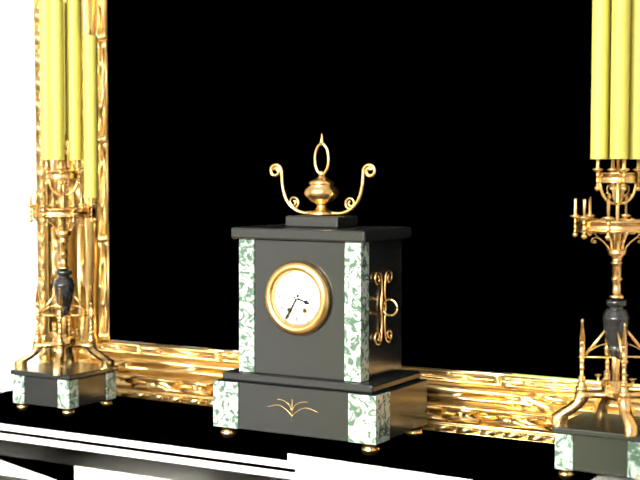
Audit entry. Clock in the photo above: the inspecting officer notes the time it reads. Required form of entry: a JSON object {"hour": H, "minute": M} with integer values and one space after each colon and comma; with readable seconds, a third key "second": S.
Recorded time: {"hour": 3, "minute": 35}
